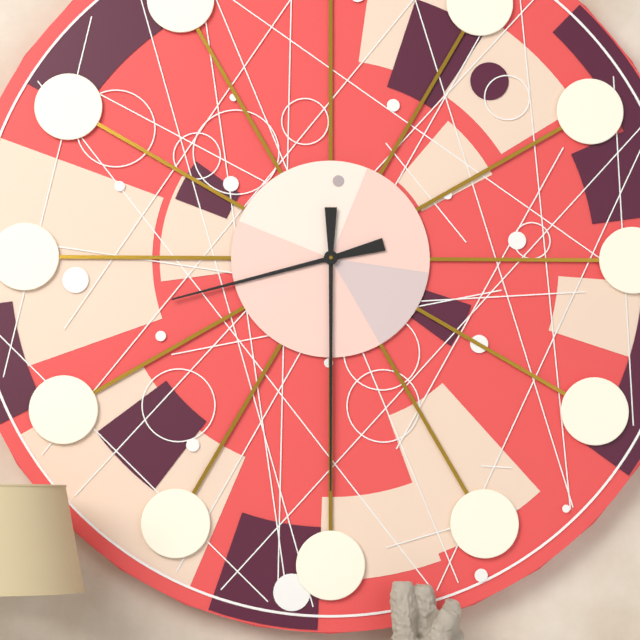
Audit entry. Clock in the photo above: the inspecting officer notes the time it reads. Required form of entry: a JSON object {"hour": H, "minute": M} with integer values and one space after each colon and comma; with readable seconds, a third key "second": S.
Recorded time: {"hour": 8, "minute": 30}
